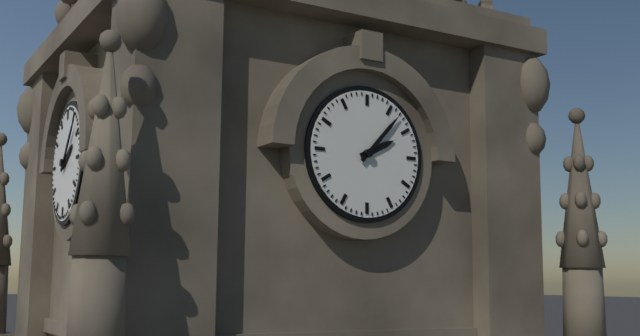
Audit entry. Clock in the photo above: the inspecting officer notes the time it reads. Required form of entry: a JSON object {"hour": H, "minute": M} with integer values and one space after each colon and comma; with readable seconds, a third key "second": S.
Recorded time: {"hour": 2, "minute": 7}
